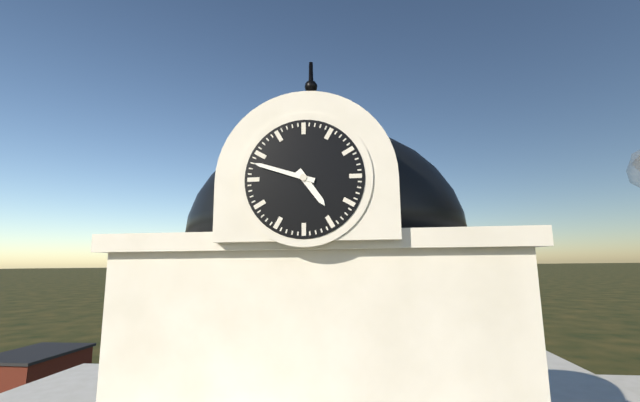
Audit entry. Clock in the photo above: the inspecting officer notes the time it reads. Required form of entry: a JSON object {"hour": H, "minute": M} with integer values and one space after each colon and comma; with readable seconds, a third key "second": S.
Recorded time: {"hour": 4, "minute": 48}
